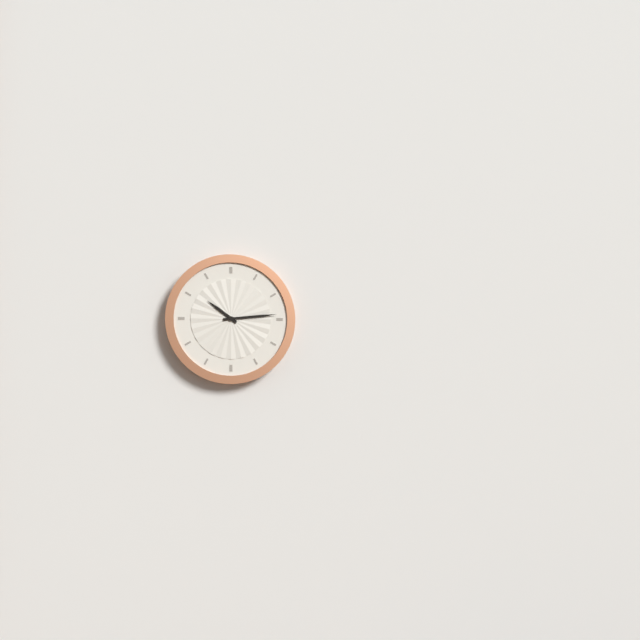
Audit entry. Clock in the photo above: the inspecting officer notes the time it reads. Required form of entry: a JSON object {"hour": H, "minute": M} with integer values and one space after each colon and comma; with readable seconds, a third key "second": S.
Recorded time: {"hour": 10, "minute": 14}
